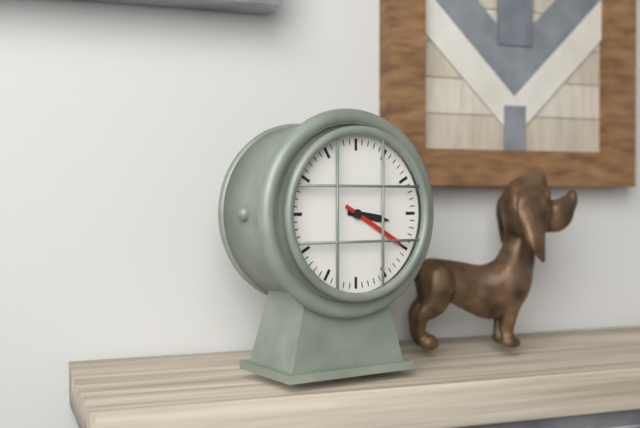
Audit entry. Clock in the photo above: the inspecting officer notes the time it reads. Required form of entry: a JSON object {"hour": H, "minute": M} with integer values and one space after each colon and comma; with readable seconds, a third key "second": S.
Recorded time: {"hour": 3, "minute": 20}
